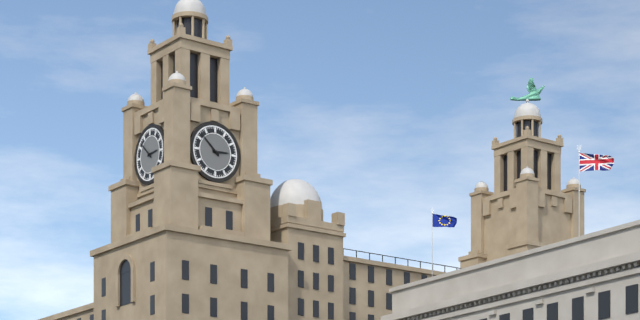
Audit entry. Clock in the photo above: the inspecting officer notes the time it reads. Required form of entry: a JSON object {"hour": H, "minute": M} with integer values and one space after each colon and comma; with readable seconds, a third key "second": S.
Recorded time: {"hour": 2, "minute": 52}
